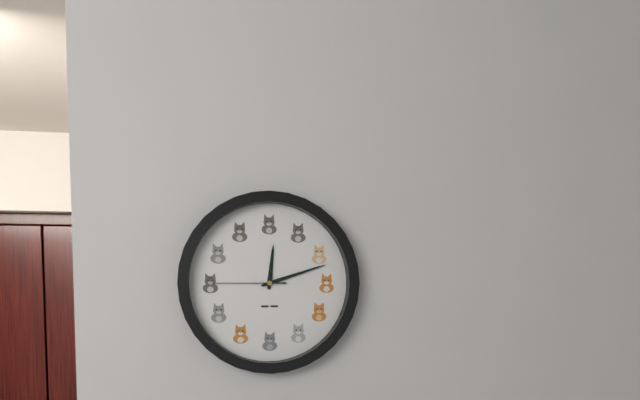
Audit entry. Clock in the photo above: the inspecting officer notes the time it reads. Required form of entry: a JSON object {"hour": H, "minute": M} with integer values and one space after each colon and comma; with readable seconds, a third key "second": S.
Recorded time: {"hour": 12, "minute": 12, "second": 45}
